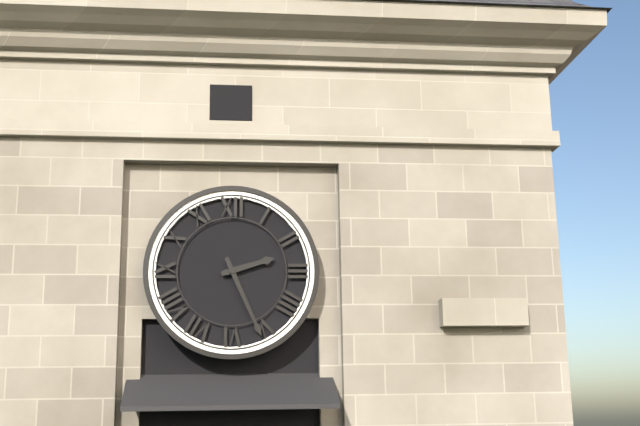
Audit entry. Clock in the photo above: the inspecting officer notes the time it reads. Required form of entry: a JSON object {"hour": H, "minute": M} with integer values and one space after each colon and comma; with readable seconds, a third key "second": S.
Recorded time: {"hour": 2, "minute": 26}
